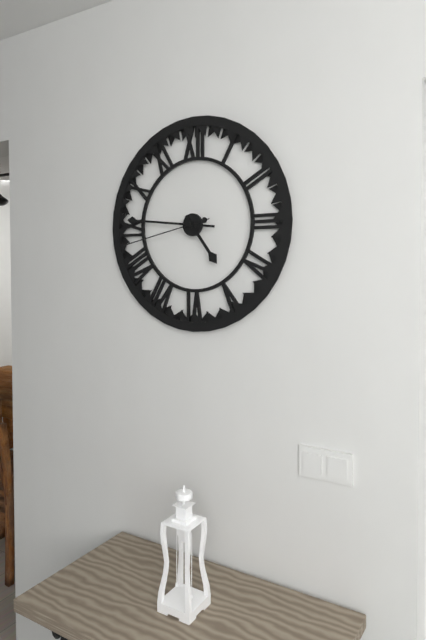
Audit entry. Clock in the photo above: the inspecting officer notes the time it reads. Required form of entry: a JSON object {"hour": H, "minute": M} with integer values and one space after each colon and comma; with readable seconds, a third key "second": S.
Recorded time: {"hour": 4, "minute": 46, "second": 43}
